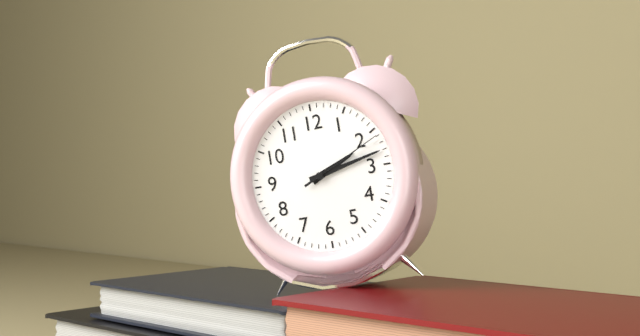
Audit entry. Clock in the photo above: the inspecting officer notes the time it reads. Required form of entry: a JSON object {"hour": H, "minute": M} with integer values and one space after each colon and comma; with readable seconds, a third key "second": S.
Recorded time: {"hour": 2, "minute": 13, "second": 11}
